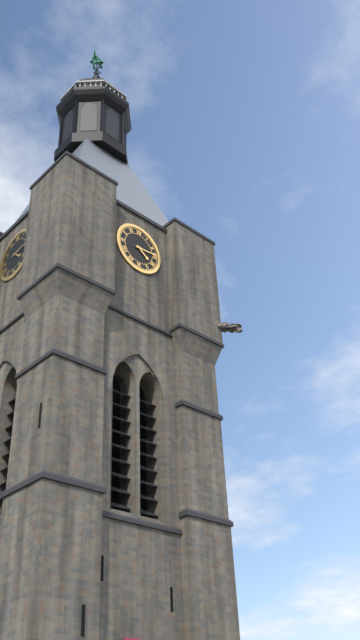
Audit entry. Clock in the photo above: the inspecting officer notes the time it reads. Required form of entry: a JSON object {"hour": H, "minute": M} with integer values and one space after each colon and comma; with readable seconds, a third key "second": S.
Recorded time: {"hour": 4, "minute": 14}
